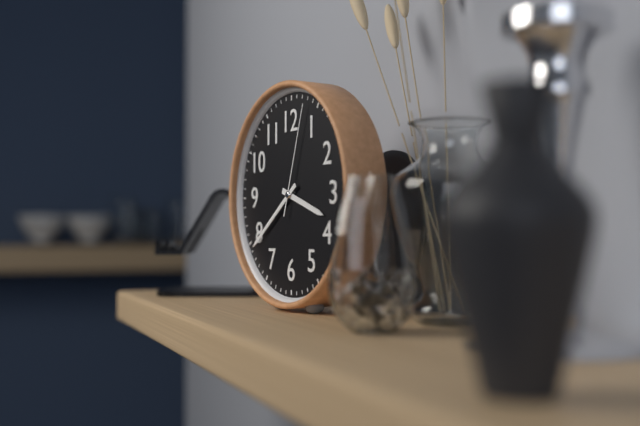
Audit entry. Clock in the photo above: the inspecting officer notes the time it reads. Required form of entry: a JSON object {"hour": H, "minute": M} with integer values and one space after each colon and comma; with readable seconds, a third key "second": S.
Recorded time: {"hour": 3, "minute": 39, "second": 3}
